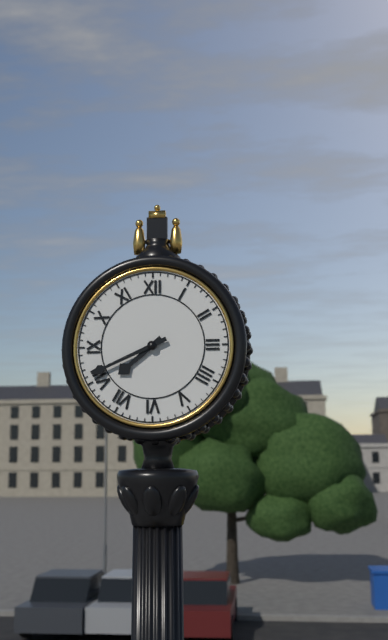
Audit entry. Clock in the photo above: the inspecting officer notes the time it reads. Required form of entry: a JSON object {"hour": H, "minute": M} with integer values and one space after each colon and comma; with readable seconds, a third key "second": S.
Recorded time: {"hour": 7, "minute": 41}
